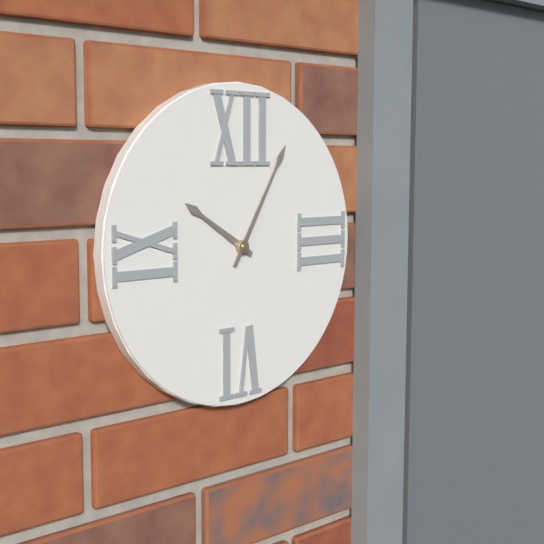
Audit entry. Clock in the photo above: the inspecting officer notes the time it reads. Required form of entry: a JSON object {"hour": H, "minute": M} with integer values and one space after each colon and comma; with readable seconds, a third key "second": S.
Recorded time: {"hour": 10, "minute": 5}
